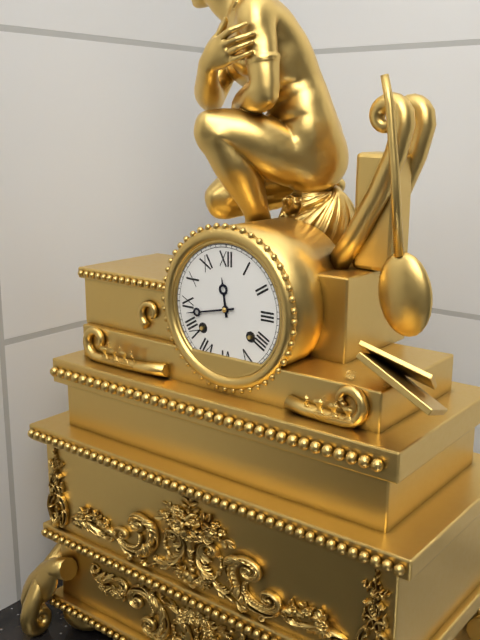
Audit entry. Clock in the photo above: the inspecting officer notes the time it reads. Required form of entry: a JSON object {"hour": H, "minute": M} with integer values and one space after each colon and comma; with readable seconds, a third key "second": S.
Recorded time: {"hour": 11, "minute": 43}
